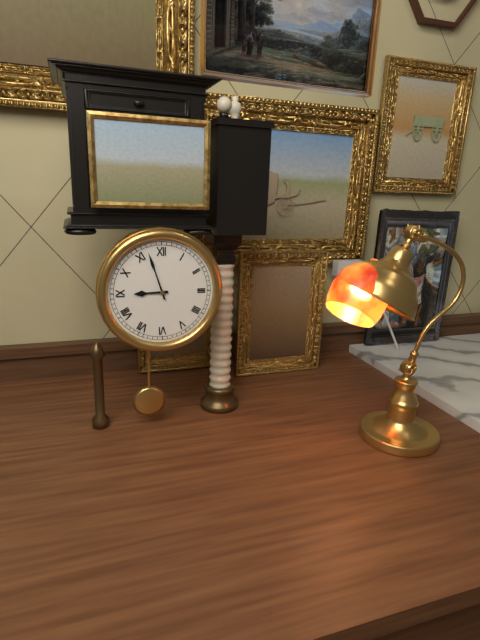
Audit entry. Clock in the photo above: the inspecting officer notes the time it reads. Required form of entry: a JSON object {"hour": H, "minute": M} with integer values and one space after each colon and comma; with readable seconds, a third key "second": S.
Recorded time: {"hour": 8, "minute": 57}
